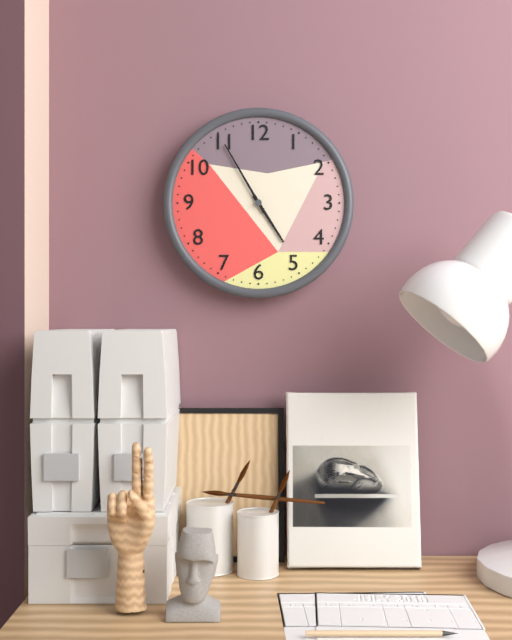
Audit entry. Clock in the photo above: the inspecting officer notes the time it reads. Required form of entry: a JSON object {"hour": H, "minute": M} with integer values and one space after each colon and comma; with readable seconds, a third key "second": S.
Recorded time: {"hour": 4, "minute": 55}
